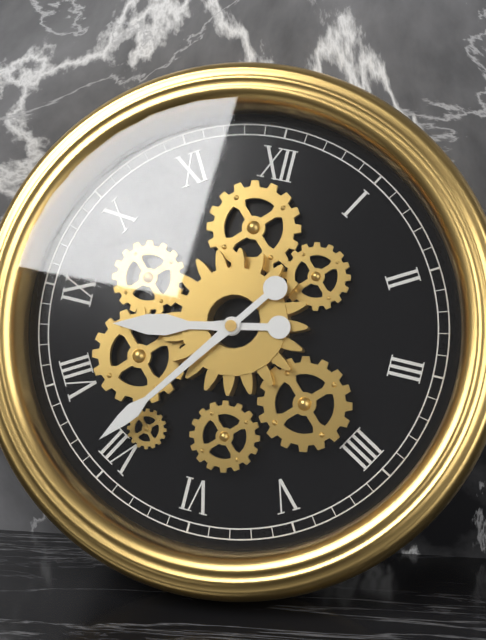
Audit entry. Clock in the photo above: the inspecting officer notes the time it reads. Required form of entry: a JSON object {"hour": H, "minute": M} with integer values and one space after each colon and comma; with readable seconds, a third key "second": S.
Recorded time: {"hour": 8, "minute": 36}
